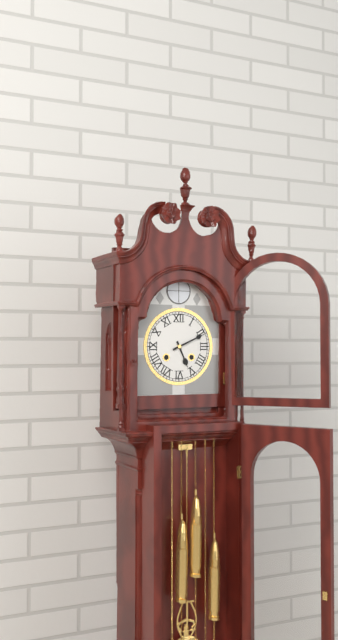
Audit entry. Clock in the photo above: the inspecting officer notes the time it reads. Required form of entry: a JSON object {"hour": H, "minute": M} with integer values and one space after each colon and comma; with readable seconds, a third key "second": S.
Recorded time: {"hour": 5, "minute": 11}
